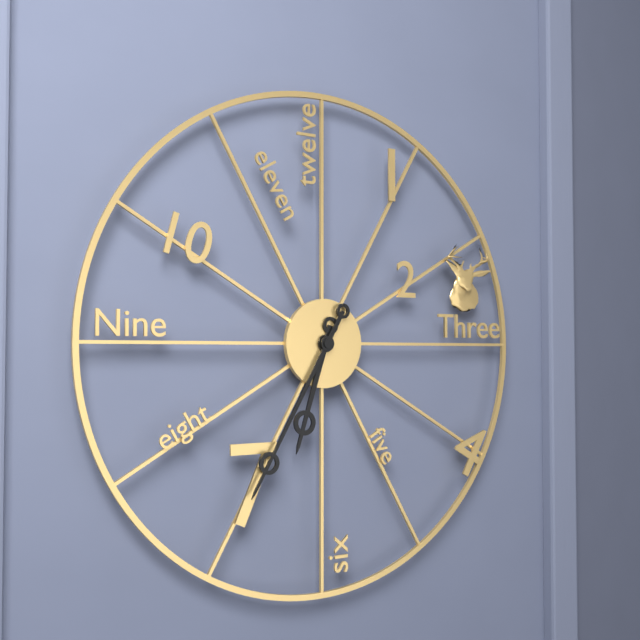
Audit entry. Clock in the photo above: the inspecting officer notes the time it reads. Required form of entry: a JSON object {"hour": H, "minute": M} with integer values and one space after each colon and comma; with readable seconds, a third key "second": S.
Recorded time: {"hour": 6, "minute": 35}
